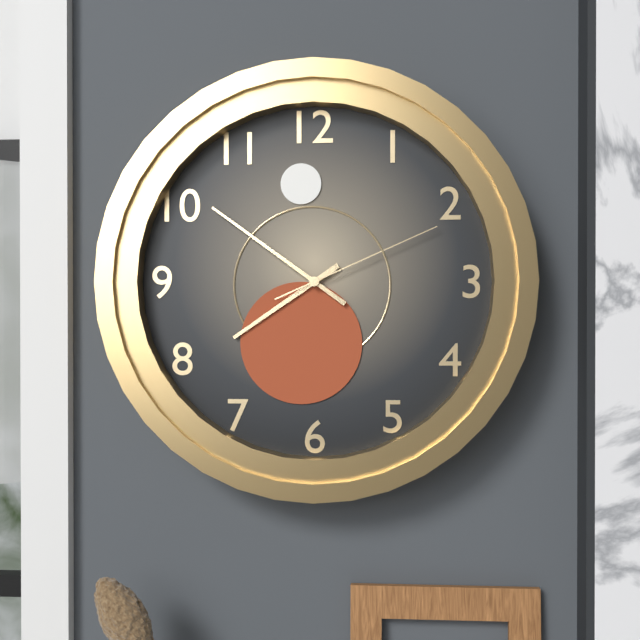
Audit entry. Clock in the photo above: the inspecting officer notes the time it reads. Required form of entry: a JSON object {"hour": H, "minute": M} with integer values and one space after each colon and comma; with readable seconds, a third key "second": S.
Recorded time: {"hour": 7, "minute": 51, "second": 11}
